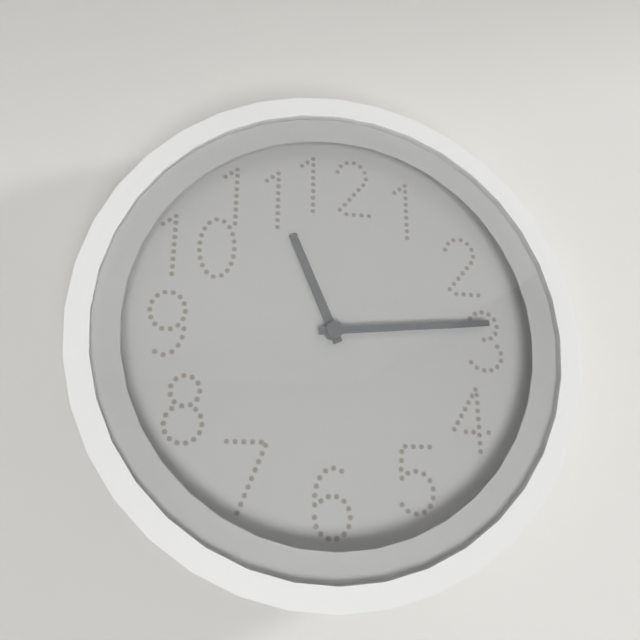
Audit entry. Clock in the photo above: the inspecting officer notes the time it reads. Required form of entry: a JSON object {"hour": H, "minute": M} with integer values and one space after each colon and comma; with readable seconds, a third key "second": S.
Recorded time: {"hour": 11, "minute": 14}
